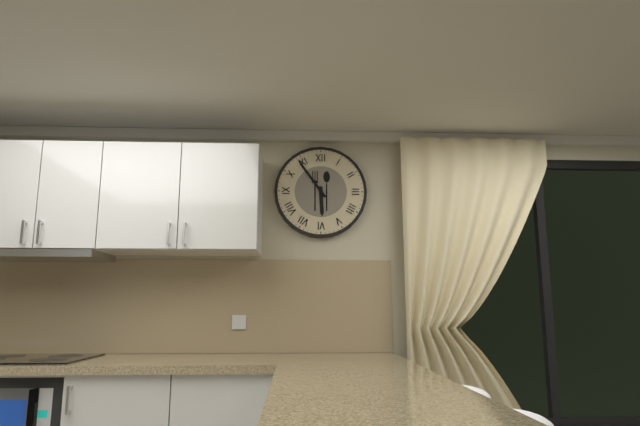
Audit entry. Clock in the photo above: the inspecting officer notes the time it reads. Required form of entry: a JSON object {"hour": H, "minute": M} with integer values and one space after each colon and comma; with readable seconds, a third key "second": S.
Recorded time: {"hour": 5, "minute": 54}
